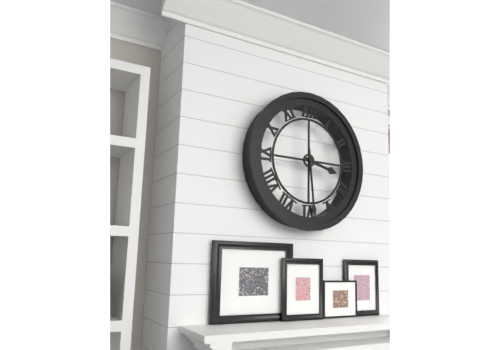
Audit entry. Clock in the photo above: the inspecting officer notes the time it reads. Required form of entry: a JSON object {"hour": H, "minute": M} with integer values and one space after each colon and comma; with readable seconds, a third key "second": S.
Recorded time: {"hour": 3, "minute": 29}
